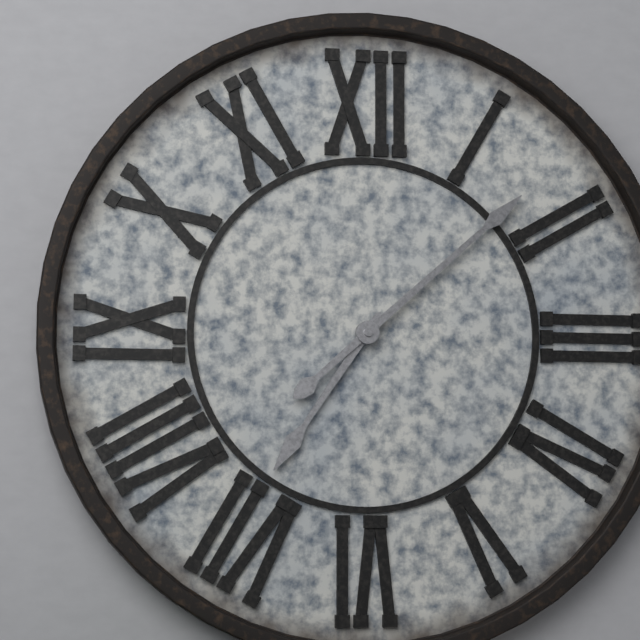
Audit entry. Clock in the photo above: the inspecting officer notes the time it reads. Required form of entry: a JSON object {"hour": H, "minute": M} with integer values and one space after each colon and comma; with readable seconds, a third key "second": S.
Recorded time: {"hour": 7, "minute": 8}
